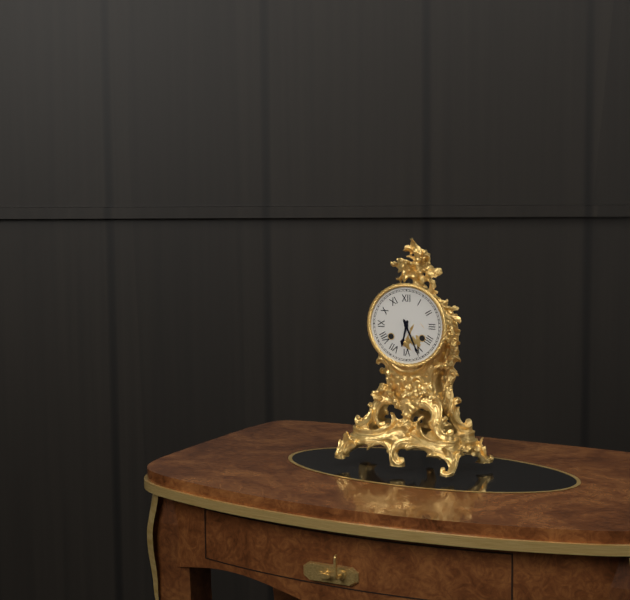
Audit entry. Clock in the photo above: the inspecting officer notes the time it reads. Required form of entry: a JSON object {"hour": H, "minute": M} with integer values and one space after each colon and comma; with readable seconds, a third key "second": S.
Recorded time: {"hour": 6, "minute": 26}
